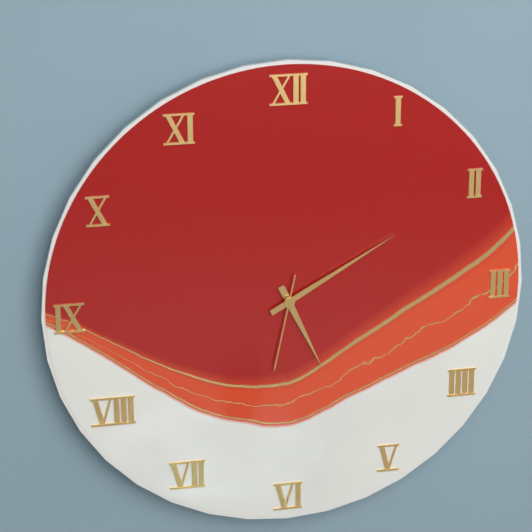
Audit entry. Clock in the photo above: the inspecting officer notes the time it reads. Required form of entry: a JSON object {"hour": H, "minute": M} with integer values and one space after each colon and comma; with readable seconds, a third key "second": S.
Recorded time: {"hour": 5, "minute": 10, "second": 32}
